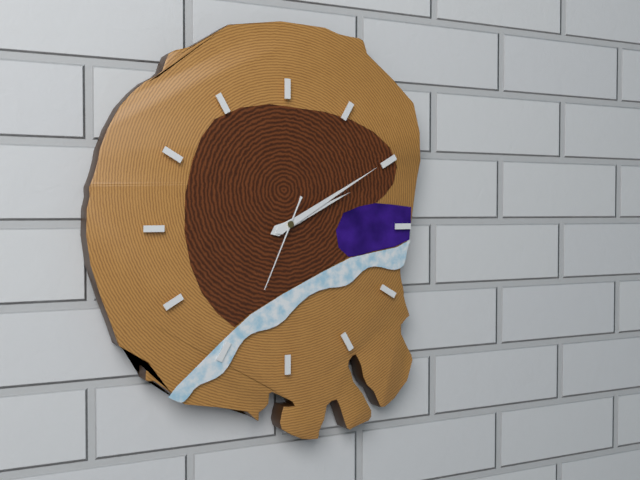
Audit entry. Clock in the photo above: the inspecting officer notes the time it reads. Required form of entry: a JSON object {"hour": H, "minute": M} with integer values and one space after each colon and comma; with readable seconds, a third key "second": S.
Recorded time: {"hour": 2, "minute": 10, "second": 34}
